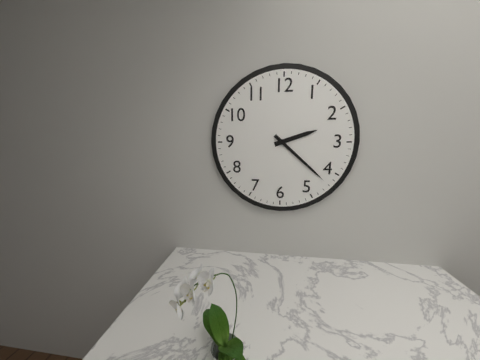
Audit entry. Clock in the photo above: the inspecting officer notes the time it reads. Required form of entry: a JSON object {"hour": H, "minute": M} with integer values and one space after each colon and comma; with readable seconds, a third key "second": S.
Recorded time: {"hour": 2, "minute": 22}
